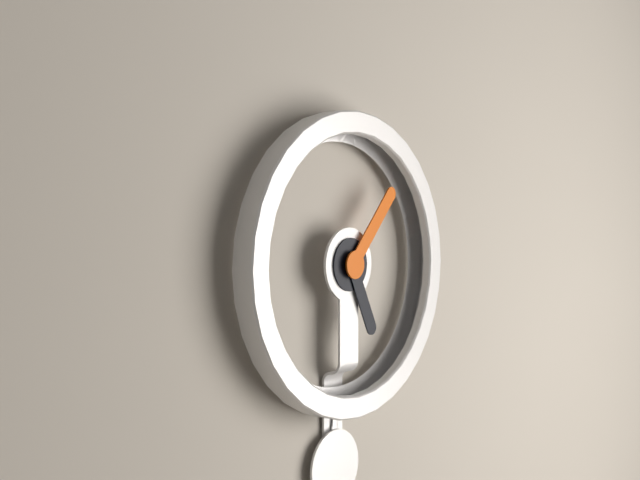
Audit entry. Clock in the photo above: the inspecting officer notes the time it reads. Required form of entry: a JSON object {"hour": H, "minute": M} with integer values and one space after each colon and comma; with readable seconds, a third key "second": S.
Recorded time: {"hour": 5, "minute": 7}
